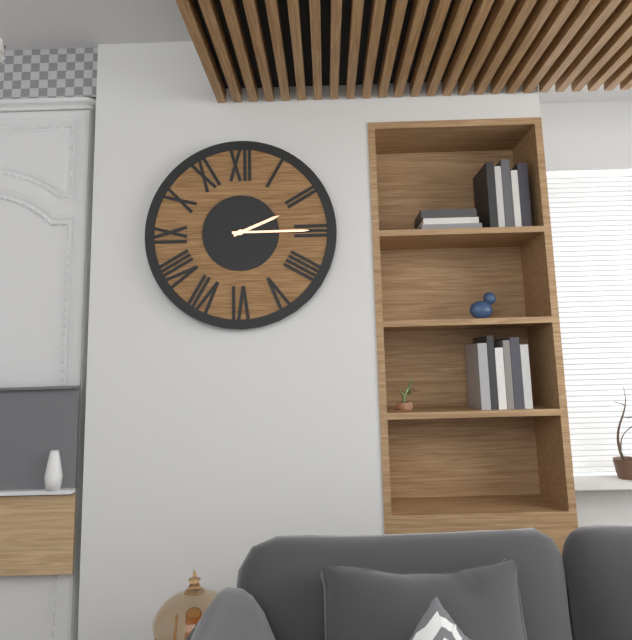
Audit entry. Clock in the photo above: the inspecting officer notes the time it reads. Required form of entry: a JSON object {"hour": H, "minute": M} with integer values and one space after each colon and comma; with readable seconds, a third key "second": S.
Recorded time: {"hour": 2, "minute": 15}
